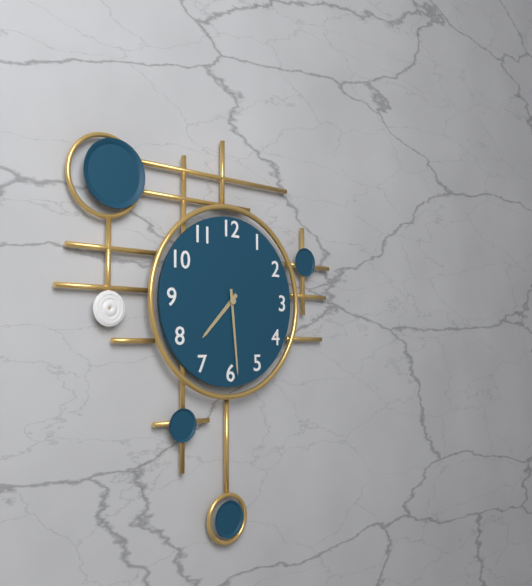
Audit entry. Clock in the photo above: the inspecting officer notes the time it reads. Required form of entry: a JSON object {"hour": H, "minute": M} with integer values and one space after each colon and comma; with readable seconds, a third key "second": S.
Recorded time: {"hour": 7, "minute": 29}
